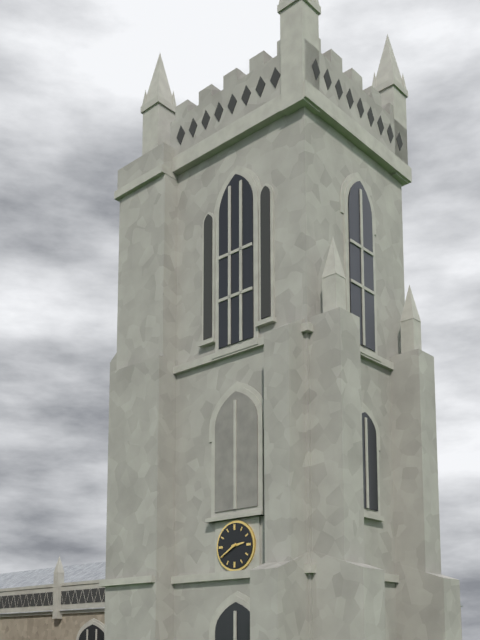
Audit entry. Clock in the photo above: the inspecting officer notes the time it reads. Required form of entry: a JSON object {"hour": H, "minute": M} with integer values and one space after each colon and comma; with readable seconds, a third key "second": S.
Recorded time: {"hour": 2, "minute": 40}
